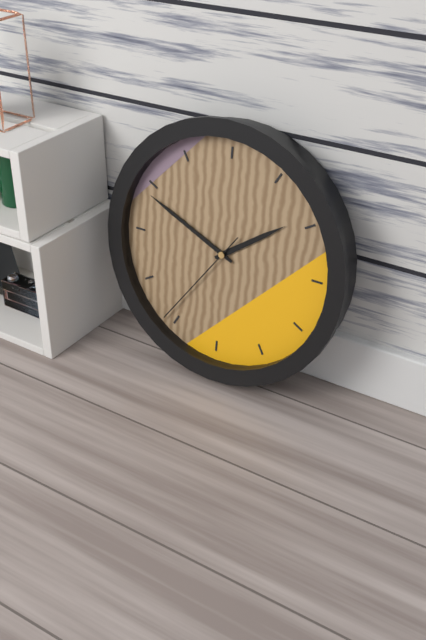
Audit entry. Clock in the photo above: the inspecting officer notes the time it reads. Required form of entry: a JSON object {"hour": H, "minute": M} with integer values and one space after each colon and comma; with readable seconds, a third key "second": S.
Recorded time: {"hour": 1, "minute": 49, "second": 36}
